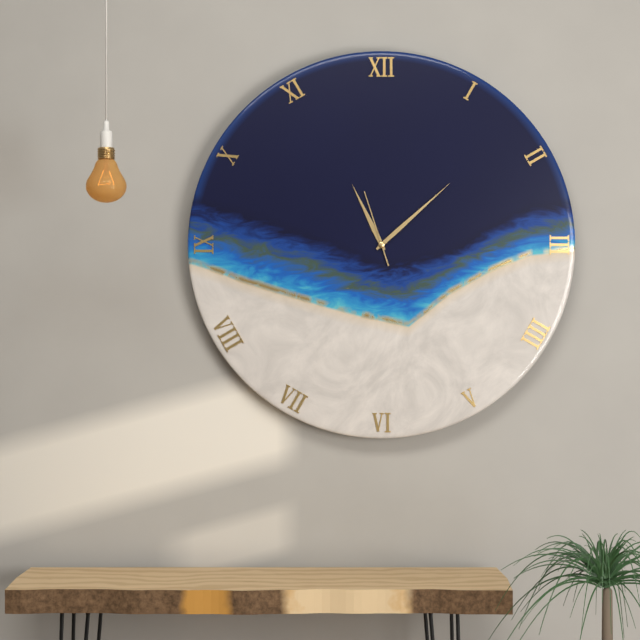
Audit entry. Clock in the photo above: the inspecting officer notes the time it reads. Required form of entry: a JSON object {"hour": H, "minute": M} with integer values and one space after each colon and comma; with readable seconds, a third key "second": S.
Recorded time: {"hour": 11, "minute": 8, "second": 57}
